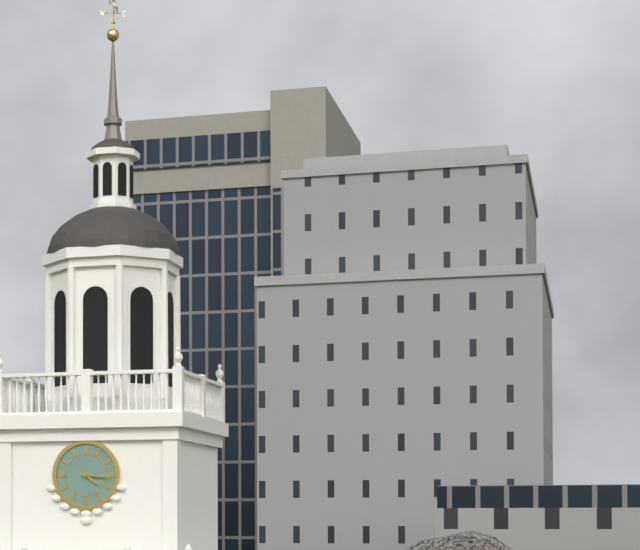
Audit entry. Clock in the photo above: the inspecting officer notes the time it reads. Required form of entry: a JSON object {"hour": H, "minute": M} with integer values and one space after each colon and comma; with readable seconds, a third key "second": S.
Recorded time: {"hour": 4, "minute": 16}
